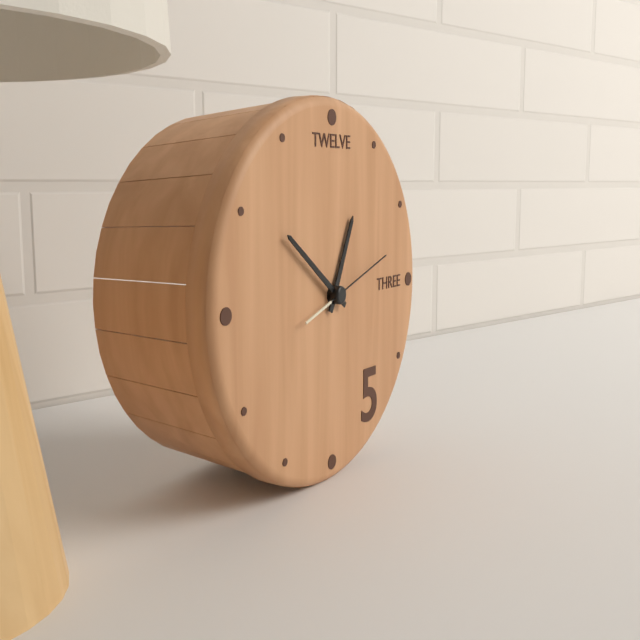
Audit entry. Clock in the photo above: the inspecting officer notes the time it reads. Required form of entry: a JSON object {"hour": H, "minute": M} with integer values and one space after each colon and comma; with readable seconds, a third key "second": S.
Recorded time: {"hour": 12, "minute": 51, "second": 12}
